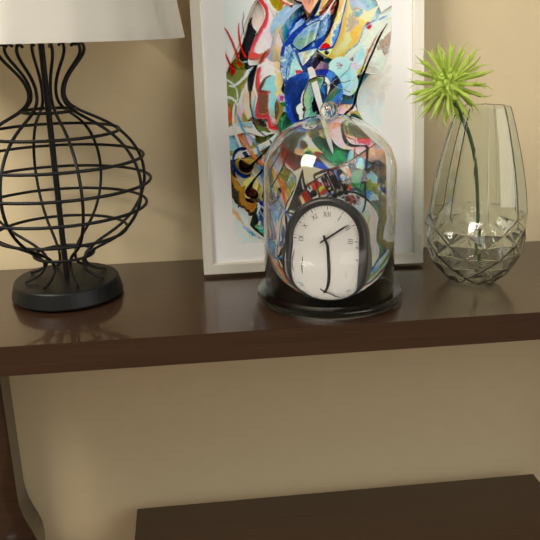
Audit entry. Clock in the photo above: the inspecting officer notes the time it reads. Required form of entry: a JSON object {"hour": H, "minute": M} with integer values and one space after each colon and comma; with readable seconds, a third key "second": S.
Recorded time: {"hour": 5, "minute": 9}
